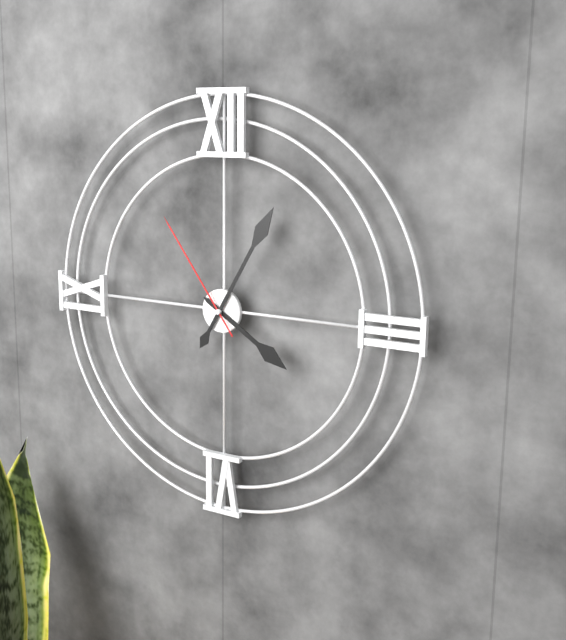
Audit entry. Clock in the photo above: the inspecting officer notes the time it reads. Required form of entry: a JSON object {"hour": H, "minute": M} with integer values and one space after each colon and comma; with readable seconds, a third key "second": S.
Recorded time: {"hour": 4, "minute": 5, "second": 54}
